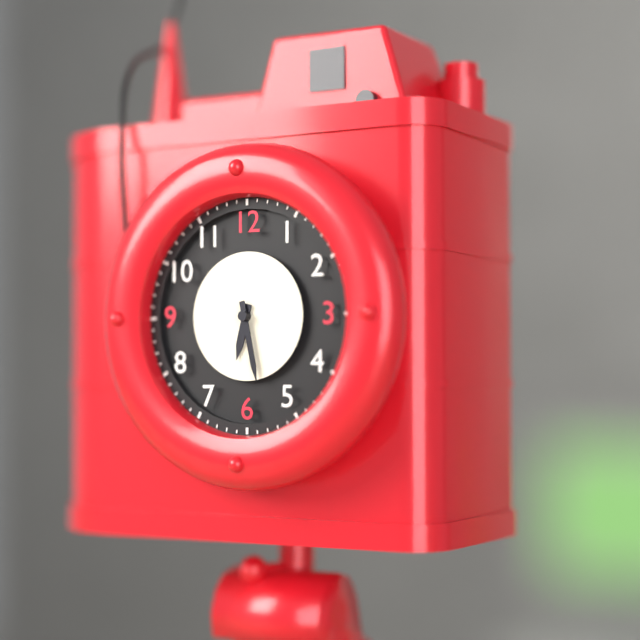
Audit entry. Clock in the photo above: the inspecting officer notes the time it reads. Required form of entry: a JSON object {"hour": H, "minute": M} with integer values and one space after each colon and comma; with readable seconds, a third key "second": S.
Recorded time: {"hour": 6, "minute": 28}
